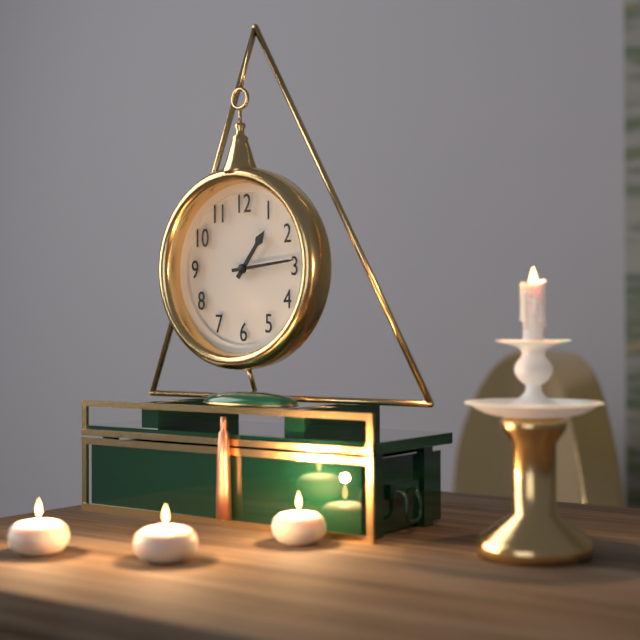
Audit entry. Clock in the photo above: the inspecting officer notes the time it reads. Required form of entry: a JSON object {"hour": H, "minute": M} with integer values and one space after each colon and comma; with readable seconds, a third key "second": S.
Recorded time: {"hour": 1, "minute": 14}
